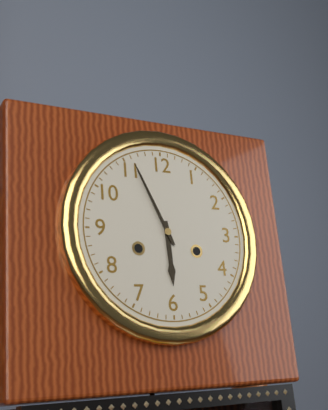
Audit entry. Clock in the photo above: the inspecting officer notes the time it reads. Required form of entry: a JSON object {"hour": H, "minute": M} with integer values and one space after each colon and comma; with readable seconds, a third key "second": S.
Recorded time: {"hour": 5, "minute": 56}
